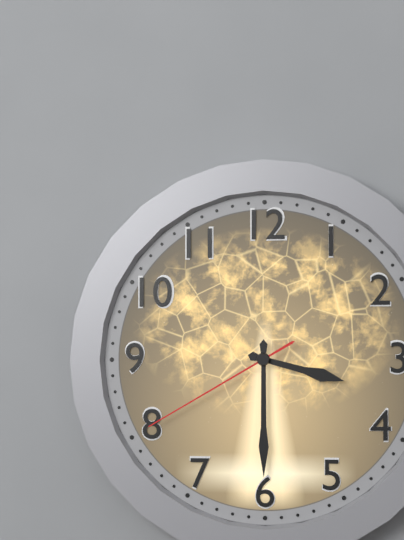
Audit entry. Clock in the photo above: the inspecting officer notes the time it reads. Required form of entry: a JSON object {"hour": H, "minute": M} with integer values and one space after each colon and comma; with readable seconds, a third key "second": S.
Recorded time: {"hour": 3, "minute": 30, "second": 40}
